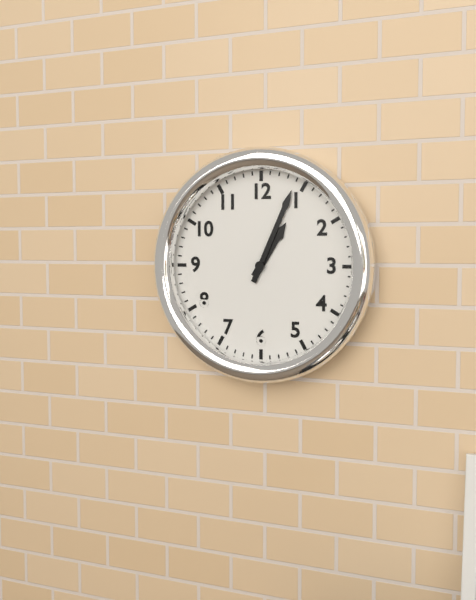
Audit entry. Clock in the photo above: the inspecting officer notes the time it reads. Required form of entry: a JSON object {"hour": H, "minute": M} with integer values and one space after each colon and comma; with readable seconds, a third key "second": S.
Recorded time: {"hour": 1, "minute": 4}
